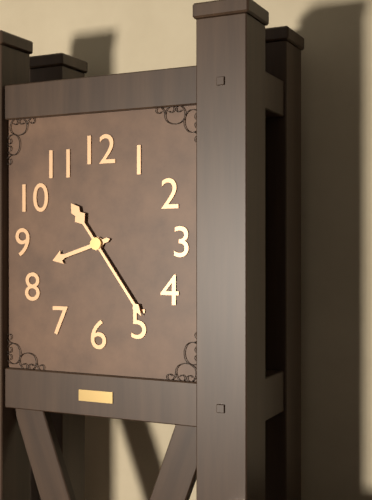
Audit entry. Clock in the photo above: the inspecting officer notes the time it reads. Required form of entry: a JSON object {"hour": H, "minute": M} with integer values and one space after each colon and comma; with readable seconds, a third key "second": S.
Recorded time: {"hour": 8, "minute": 24}
